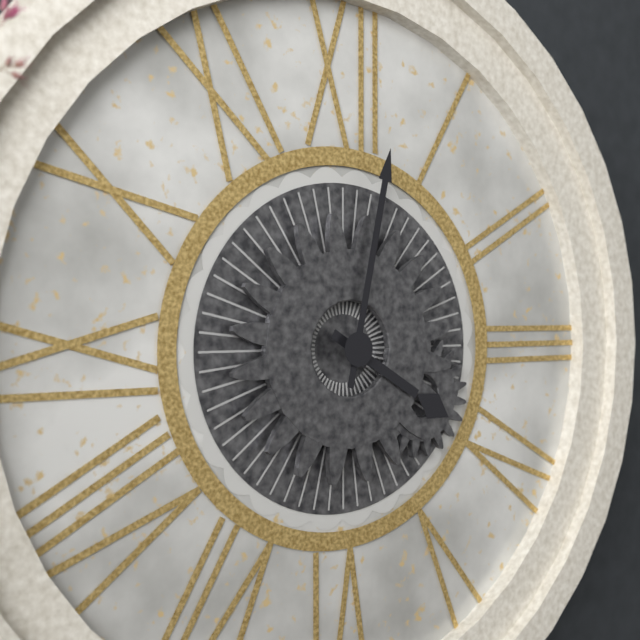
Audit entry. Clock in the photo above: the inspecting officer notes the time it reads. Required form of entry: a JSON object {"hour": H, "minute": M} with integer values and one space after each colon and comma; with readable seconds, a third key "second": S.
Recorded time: {"hour": 4, "minute": 2}
